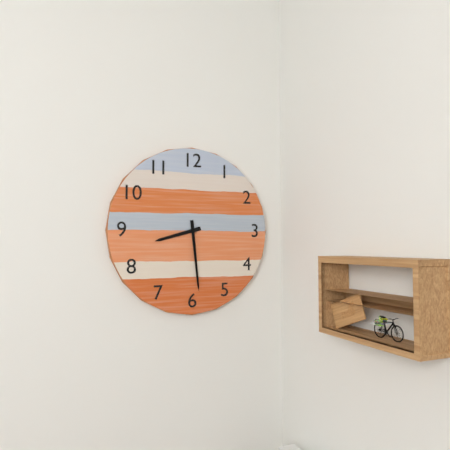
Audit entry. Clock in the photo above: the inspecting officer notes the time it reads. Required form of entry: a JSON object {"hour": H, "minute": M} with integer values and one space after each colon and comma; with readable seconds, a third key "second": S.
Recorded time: {"hour": 8, "minute": 29}
